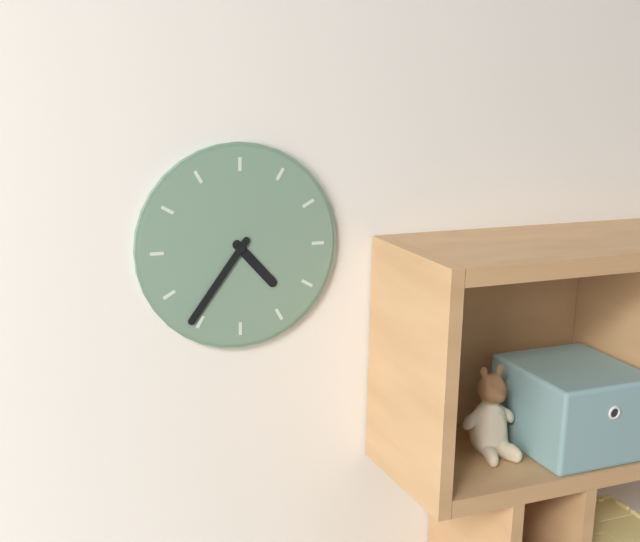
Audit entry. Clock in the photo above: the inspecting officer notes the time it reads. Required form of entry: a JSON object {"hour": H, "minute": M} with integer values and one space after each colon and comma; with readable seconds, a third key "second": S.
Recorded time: {"hour": 4, "minute": 36}
